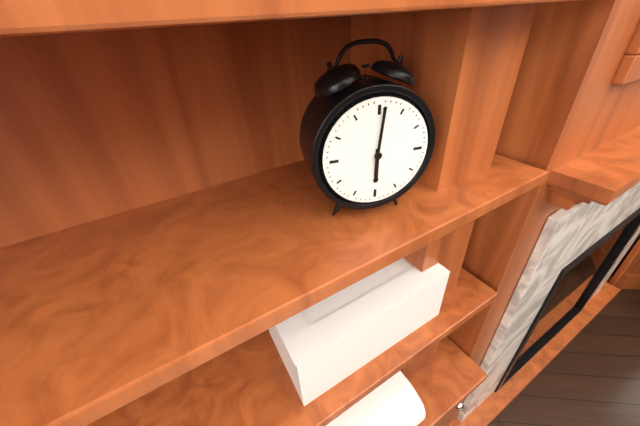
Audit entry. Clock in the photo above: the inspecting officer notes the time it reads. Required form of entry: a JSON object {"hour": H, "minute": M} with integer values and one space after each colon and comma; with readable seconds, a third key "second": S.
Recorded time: {"hour": 6, "minute": 1}
